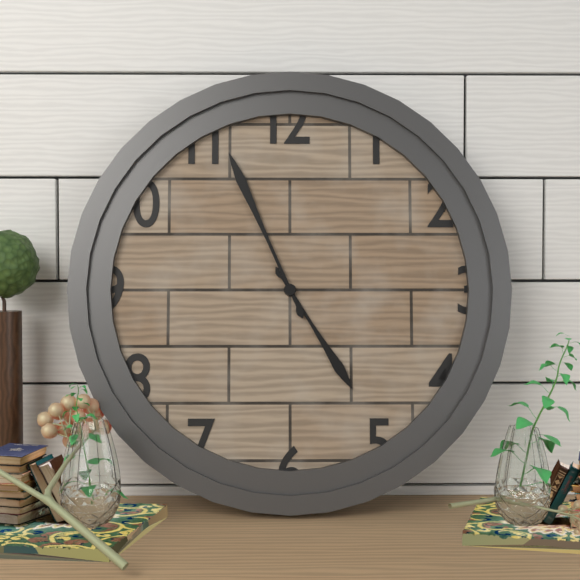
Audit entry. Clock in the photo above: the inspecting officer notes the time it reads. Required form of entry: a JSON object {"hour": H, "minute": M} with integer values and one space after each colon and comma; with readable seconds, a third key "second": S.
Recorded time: {"hour": 4, "minute": 56}
